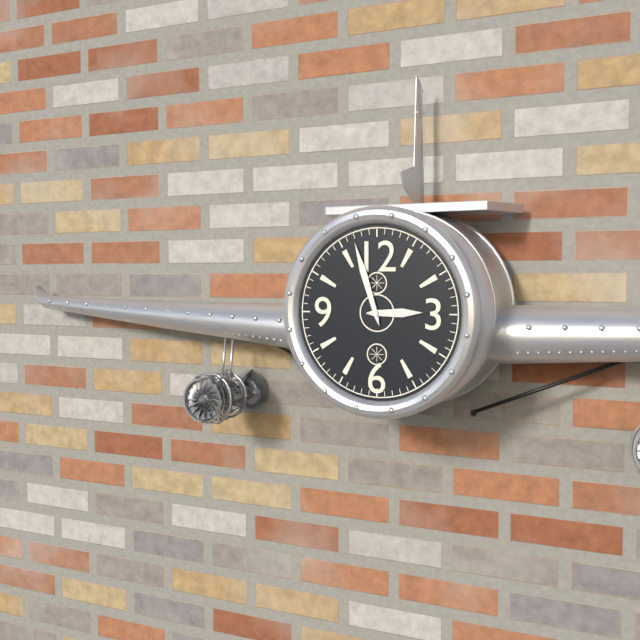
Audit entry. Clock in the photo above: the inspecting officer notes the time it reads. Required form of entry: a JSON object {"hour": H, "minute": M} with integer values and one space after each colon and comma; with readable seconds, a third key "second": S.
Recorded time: {"hour": 2, "minute": 57}
